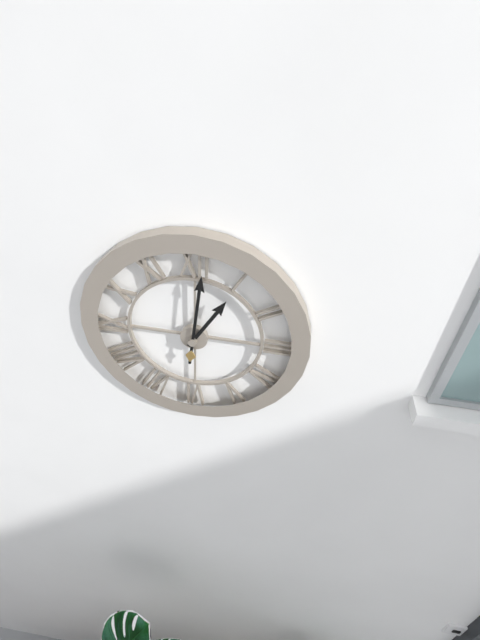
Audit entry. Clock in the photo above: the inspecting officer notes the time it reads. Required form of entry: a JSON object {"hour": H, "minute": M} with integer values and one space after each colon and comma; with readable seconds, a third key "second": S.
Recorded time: {"hour": 1, "minute": 1}
